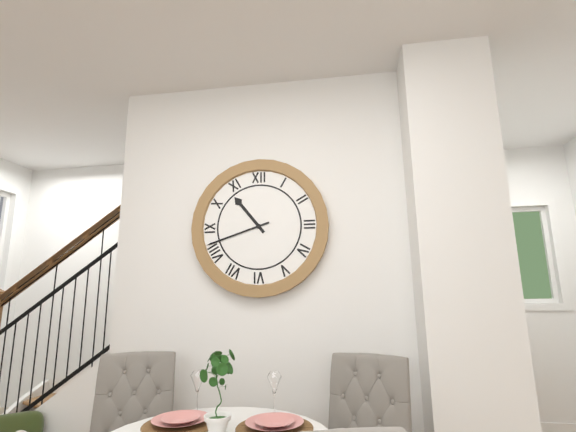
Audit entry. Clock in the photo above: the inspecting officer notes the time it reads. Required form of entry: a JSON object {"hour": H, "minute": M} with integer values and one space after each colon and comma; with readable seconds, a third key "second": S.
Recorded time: {"hour": 10, "minute": 42}
